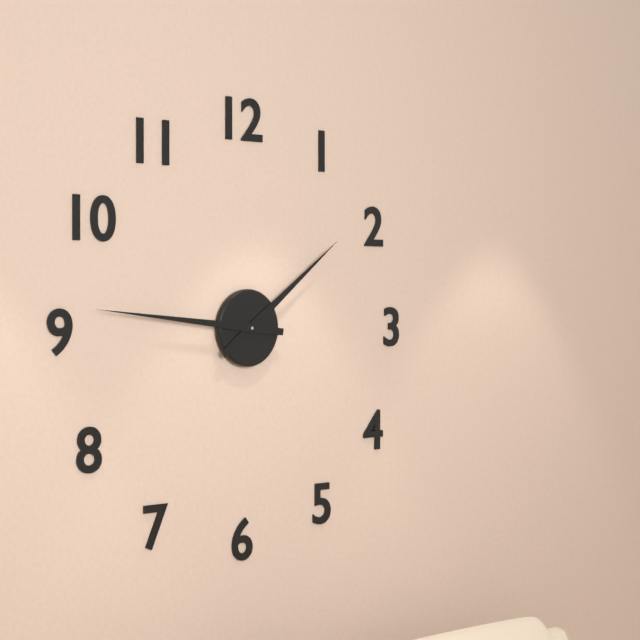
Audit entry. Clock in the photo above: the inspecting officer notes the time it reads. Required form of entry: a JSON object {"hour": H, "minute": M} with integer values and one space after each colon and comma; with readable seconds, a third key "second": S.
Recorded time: {"hour": 1, "minute": 46}
